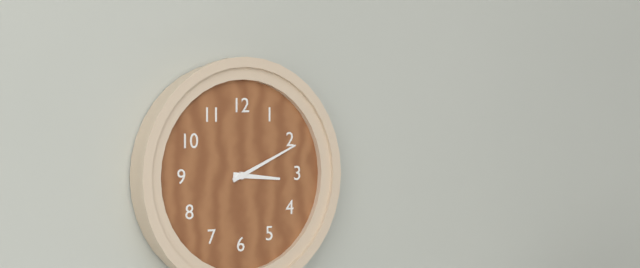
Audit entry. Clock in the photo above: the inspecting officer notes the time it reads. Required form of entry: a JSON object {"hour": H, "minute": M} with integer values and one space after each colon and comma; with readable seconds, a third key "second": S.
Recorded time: {"hour": 3, "minute": 11}
